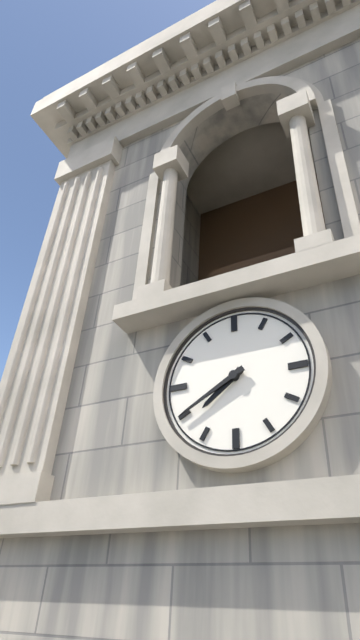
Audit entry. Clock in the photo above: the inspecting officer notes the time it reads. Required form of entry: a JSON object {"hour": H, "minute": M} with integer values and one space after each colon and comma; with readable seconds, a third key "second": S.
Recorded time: {"hour": 7, "minute": 40}
